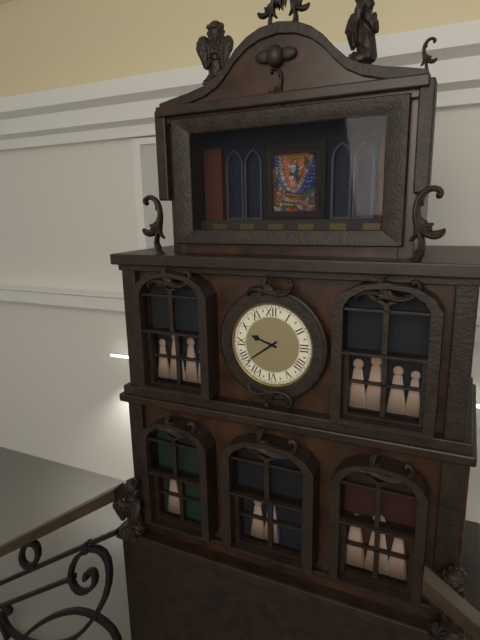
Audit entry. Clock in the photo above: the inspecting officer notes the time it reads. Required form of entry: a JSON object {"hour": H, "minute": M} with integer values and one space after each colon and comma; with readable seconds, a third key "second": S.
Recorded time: {"hour": 9, "minute": 39}
